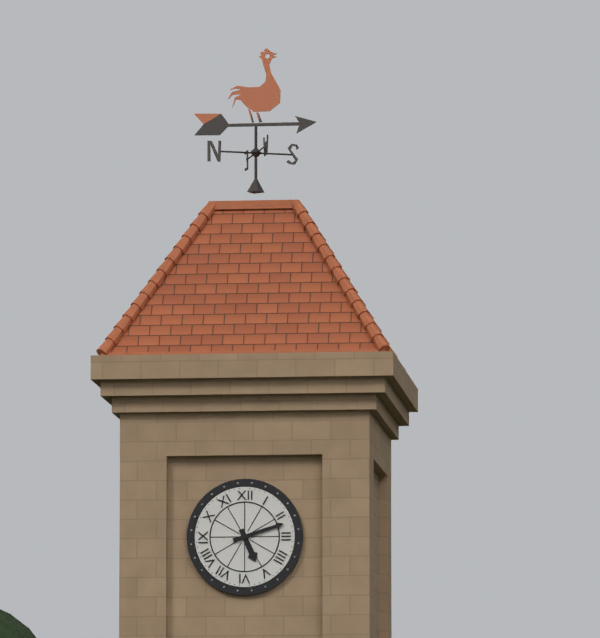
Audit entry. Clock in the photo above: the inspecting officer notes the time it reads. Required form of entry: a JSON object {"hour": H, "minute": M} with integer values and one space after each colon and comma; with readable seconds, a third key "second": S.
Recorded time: {"hour": 5, "minute": 12}
